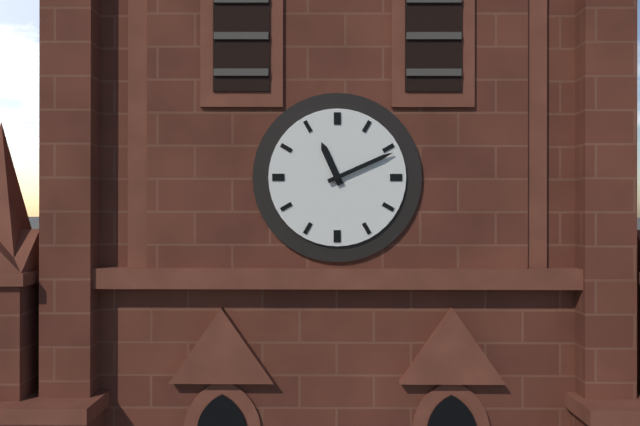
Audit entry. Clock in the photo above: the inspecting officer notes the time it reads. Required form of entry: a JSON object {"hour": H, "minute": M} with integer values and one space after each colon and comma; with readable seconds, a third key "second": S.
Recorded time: {"hour": 11, "minute": 11}
